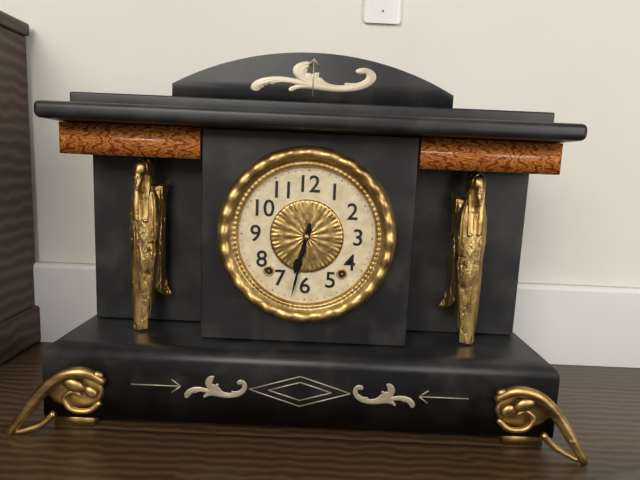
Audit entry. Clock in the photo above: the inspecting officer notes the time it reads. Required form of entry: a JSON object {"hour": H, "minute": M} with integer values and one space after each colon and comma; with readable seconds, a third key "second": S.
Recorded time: {"hour": 6, "minute": 32}
